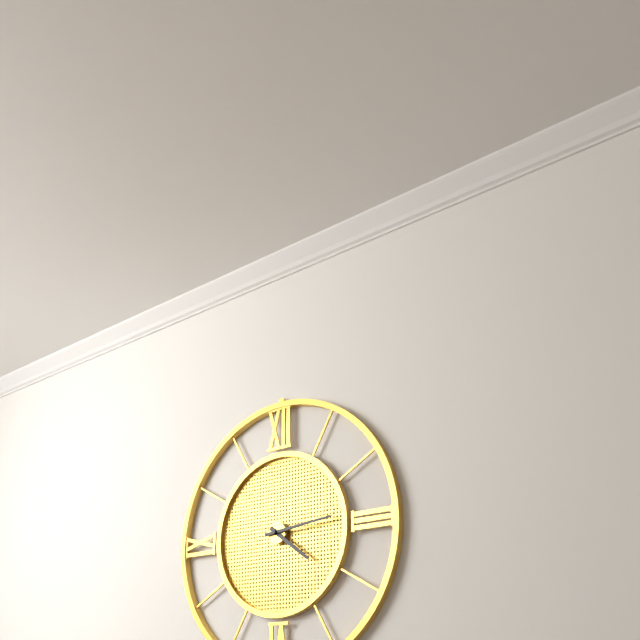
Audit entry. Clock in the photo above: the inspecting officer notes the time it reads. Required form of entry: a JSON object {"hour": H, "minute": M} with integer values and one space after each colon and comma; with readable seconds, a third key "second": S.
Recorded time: {"hour": 4, "minute": 14}
